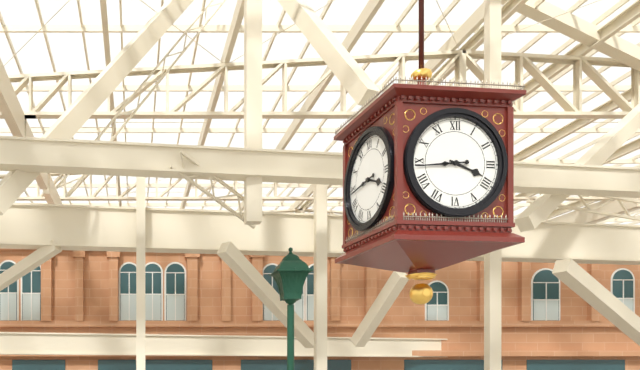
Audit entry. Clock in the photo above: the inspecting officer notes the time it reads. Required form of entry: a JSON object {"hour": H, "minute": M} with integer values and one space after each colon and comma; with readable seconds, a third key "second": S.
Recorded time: {"hour": 3, "minute": 44}
